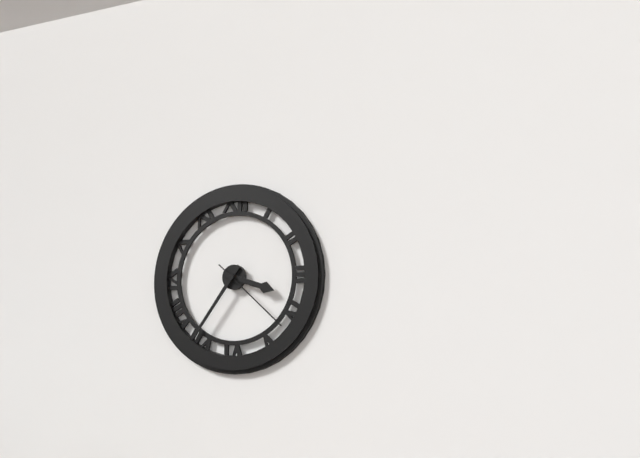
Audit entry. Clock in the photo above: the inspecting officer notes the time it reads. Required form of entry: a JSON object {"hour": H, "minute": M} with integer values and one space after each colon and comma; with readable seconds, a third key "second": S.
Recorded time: {"hour": 3, "minute": 36, "second": 22}
